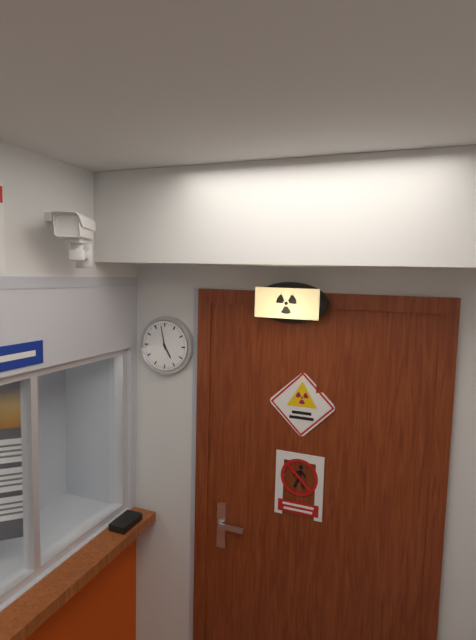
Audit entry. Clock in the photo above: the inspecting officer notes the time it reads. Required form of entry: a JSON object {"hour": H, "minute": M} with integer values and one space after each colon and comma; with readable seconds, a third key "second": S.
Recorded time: {"hour": 4, "minute": 58}
